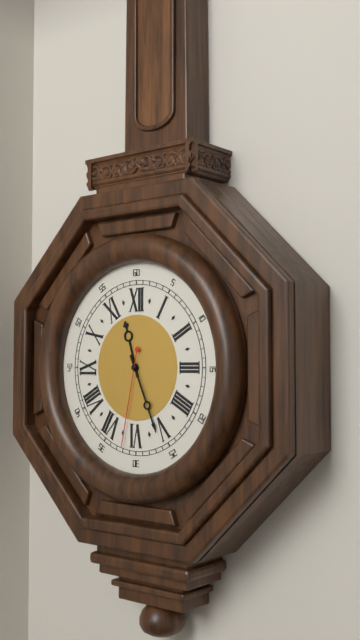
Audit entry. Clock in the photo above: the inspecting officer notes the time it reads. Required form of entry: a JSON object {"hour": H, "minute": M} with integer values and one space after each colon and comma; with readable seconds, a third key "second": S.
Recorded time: {"hour": 11, "minute": 26, "second": 32}
